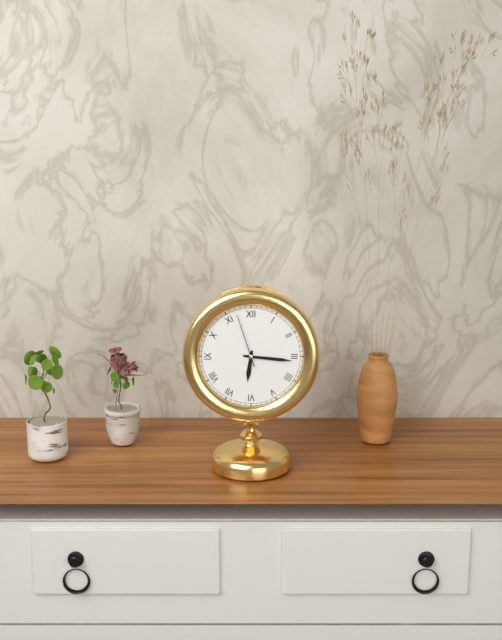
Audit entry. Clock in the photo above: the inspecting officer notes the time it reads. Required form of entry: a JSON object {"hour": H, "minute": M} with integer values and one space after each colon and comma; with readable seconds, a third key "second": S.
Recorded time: {"hour": 6, "minute": 16, "second": 57}
